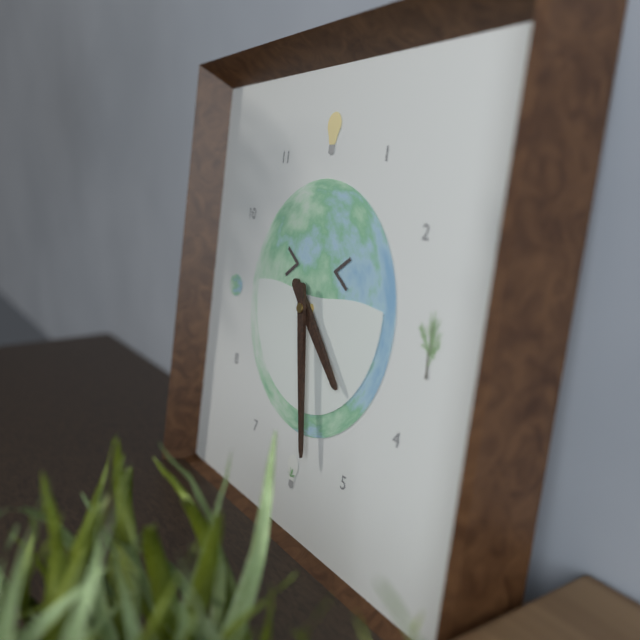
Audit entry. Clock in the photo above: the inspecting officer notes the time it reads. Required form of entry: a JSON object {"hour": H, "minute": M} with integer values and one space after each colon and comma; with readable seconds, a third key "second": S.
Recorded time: {"hour": 4, "minute": 28}
